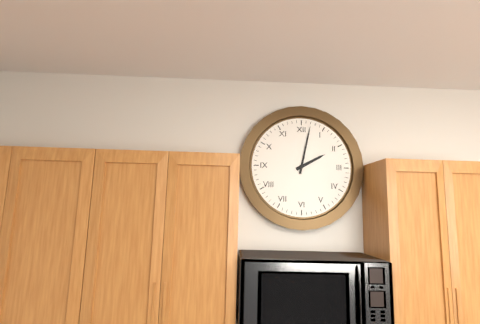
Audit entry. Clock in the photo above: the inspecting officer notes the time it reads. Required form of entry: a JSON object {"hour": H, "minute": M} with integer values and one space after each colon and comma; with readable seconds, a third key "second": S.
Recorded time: {"hour": 2, "minute": 2}
